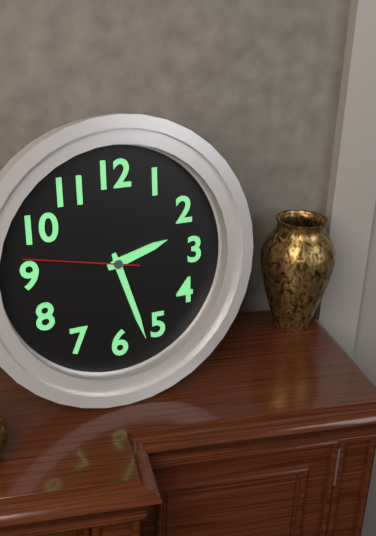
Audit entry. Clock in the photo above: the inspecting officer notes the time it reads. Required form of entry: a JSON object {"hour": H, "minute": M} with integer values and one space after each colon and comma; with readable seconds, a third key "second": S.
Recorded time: {"hour": 2, "minute": 27, "second": 47}
